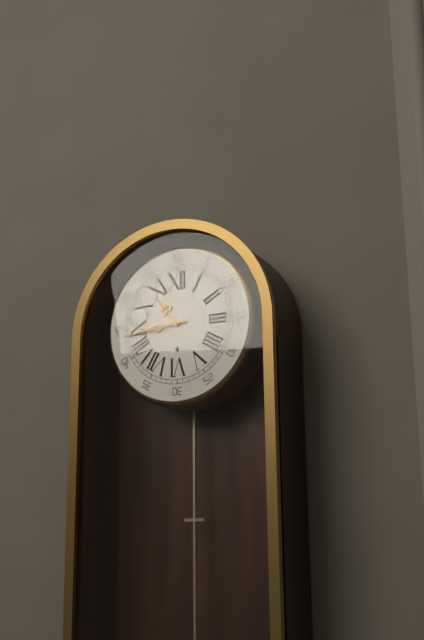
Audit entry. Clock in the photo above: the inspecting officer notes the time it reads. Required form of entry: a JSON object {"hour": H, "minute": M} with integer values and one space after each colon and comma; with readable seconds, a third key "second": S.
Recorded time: {"hour": 10, "minute": 44}
